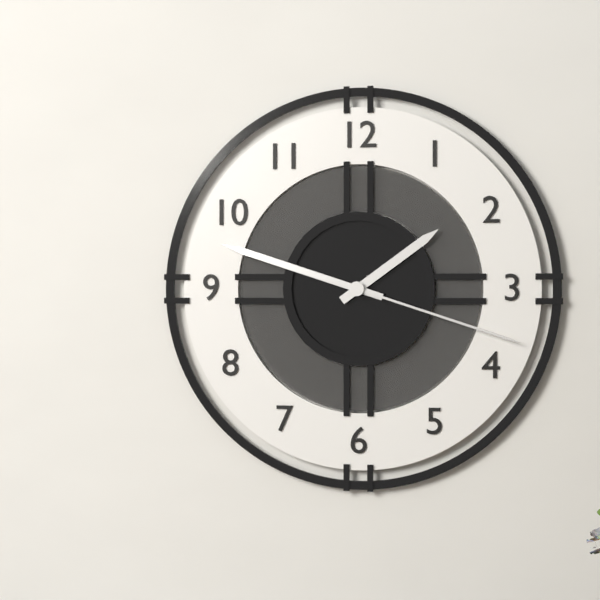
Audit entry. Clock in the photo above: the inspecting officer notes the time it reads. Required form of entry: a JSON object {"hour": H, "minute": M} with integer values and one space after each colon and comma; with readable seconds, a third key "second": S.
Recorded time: {"hour": 1, "minute": 48, "second": 18}
